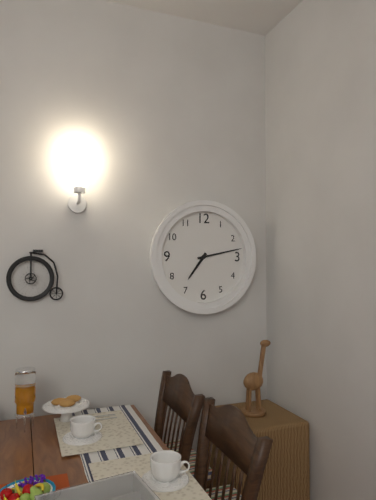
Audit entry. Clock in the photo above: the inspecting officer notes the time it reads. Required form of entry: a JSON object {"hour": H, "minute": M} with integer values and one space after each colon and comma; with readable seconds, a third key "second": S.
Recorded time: {"hour": 7, "minute": 13}
